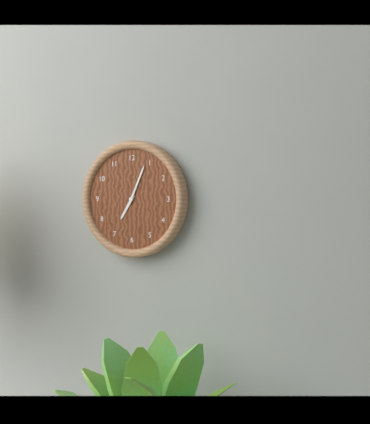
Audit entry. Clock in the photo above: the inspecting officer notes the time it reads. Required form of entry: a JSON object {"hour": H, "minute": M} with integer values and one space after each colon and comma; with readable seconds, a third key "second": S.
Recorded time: {"hour": 7, "minute": 4}
